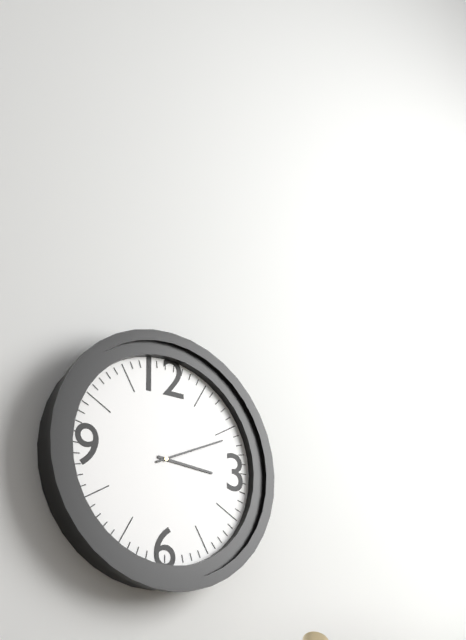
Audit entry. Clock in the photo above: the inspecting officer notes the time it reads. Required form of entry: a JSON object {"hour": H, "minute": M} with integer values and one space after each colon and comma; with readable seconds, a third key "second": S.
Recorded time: {"hour": 3, "minute": 11}
